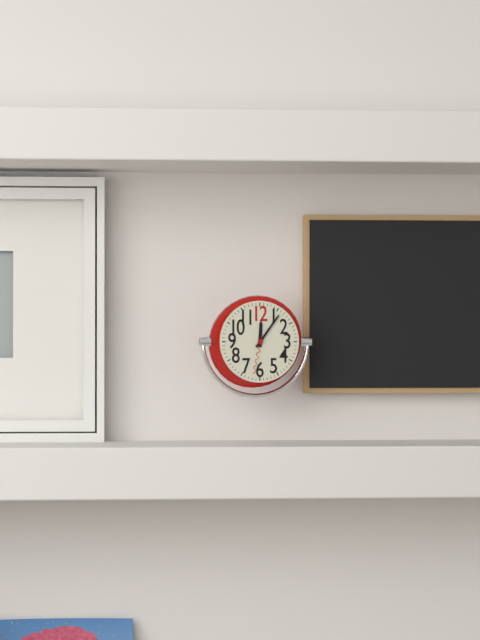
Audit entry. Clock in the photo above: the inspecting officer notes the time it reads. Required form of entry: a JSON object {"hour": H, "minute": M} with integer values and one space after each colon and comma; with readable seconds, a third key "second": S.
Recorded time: {"hour": 12, "minute": 6}
